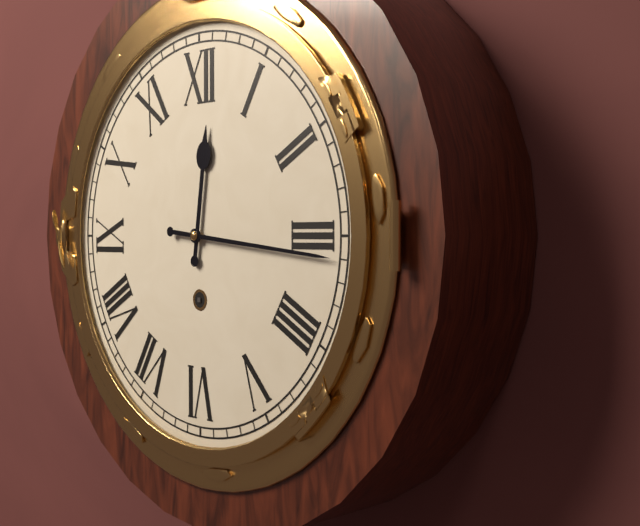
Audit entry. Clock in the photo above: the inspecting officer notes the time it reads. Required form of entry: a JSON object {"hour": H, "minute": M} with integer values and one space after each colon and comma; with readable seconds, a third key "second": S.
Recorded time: {"hour": 12, "minute": 16}
